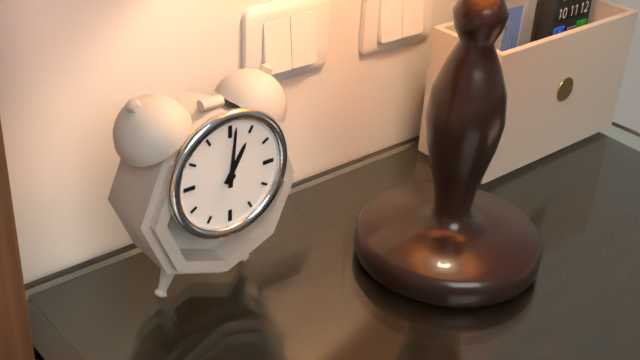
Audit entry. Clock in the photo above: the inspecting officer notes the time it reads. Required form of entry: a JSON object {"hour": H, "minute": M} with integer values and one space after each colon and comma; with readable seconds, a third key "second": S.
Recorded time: {"hour": 1, "minute": 1}
